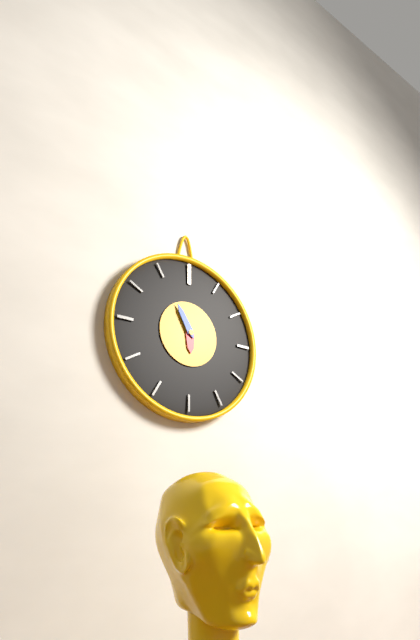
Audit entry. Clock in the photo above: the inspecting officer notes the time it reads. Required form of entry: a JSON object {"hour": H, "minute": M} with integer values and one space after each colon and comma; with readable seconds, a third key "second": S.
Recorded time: {"hour": 5, "minute": 55}
